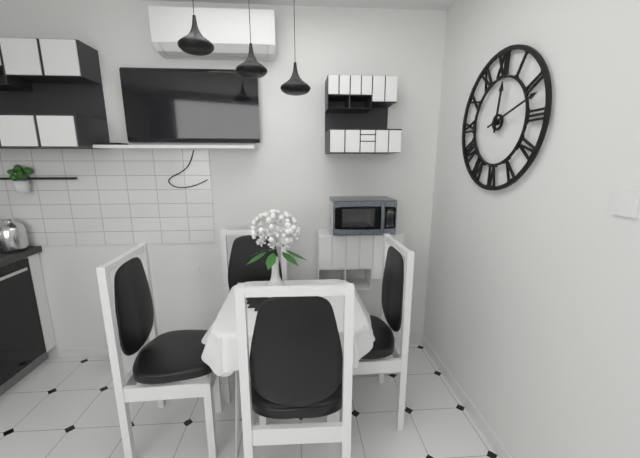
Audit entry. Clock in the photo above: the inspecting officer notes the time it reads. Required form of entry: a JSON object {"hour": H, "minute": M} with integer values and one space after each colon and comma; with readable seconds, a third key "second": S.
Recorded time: {"hour": 12, "minute": 12}
